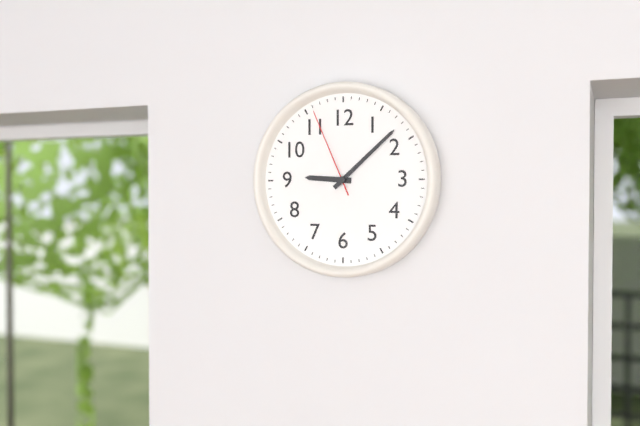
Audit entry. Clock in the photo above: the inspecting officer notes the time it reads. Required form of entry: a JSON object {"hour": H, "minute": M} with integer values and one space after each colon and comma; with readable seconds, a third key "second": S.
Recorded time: {"hour": 9, "minute": 8, "second": 56}
